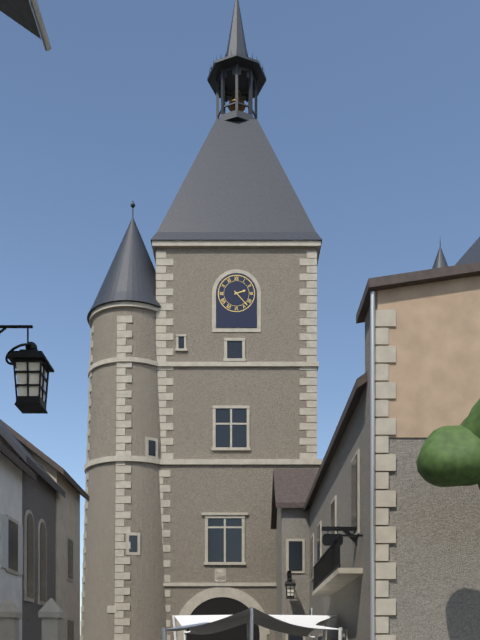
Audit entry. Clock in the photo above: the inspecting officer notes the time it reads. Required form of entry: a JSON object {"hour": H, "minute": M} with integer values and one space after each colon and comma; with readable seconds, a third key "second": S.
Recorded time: {"hour": 2, "minute": 23}
